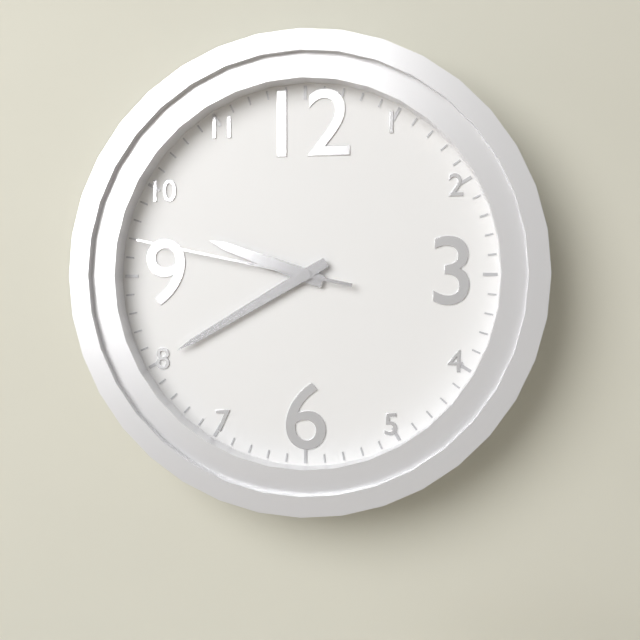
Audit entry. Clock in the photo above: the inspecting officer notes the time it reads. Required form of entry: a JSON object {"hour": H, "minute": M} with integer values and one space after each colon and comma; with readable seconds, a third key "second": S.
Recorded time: {"hour": 9, "minute": 40, "second": 47}
